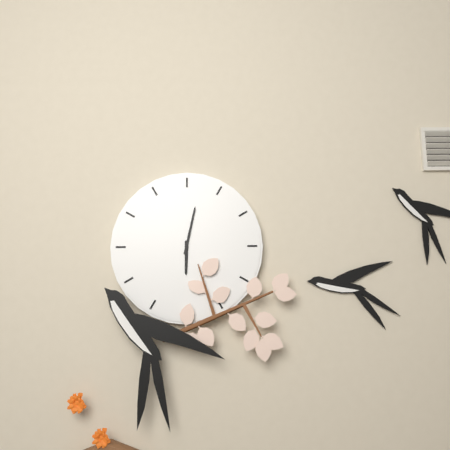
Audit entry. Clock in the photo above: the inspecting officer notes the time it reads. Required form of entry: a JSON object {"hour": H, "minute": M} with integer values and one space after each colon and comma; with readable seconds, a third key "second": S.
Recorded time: {"hour": 6, "minute": 2}
